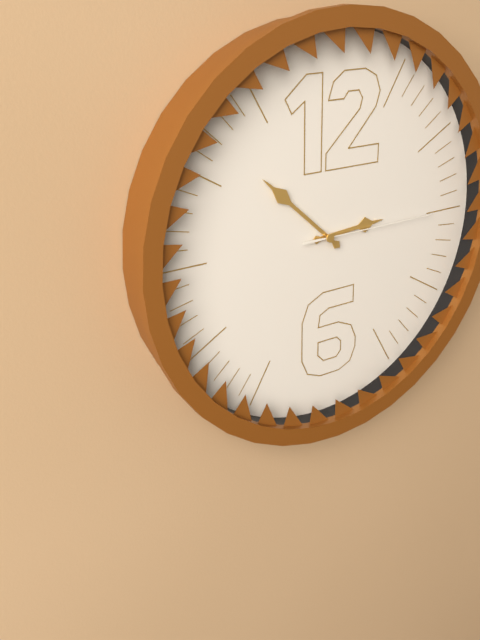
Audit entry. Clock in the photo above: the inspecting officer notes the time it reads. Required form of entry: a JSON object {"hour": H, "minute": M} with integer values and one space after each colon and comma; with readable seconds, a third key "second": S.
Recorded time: {"hour": 2, "minute": 52, "second": 15}
